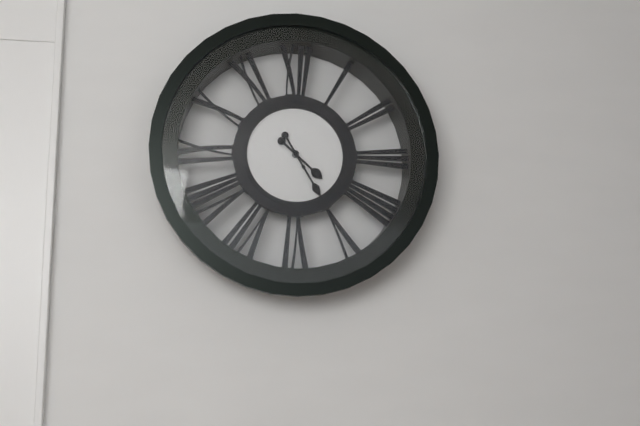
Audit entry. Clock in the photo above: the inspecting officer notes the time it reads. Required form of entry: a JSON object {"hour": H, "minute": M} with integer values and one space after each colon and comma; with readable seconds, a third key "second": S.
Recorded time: {"hour": 4, "minute": 25}
